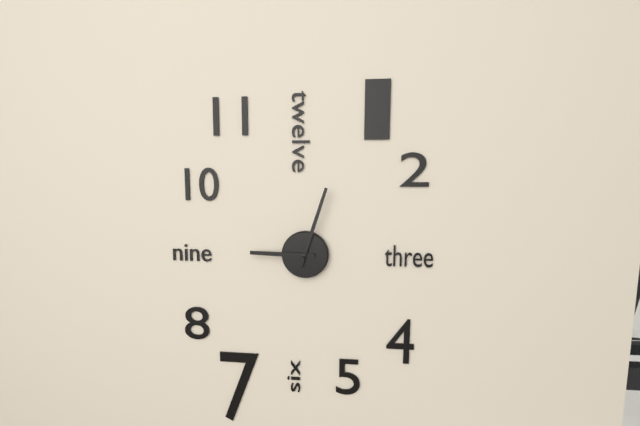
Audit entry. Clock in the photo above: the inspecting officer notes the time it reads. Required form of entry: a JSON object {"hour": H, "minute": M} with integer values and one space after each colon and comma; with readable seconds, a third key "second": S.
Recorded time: {"hour": 9, "minute": 3}
